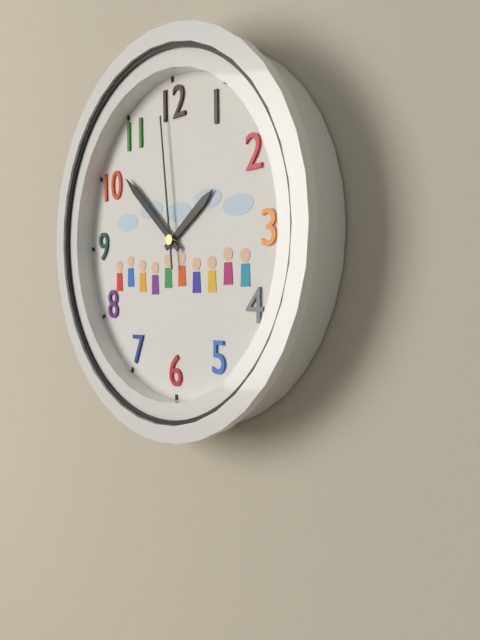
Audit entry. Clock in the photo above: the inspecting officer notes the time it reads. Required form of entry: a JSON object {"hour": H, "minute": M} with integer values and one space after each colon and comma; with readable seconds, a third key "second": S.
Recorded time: {"hour": 1, "minute": 52, "second": 59}
